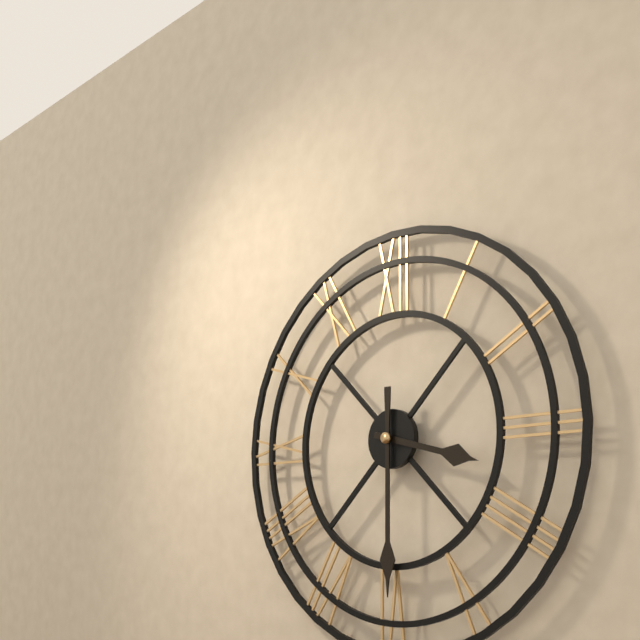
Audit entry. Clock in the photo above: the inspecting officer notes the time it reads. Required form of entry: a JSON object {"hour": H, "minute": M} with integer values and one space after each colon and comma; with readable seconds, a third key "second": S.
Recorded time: {"hour": 3, "minute": 30}
